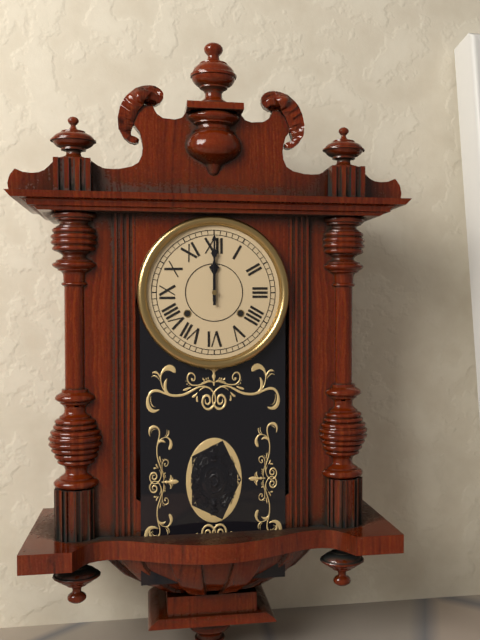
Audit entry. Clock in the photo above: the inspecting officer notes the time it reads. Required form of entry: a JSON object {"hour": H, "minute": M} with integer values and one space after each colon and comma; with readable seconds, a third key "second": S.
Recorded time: {"hour": 12, "minute": 0}
